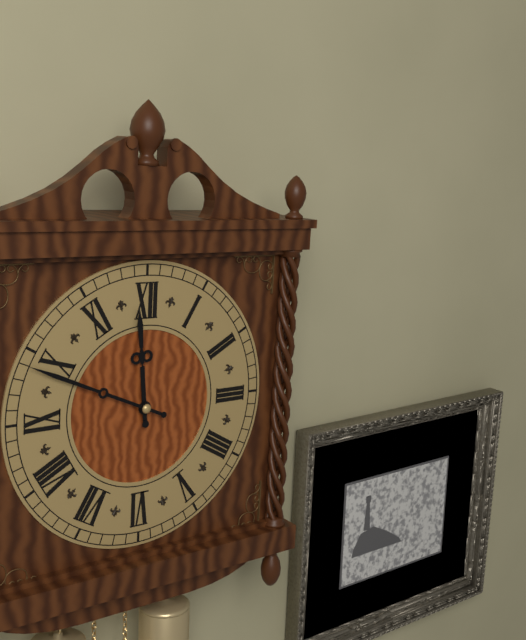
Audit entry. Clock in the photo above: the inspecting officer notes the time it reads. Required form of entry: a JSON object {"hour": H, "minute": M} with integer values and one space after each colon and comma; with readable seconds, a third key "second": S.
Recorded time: {"hour": 11, "minute": 49}
